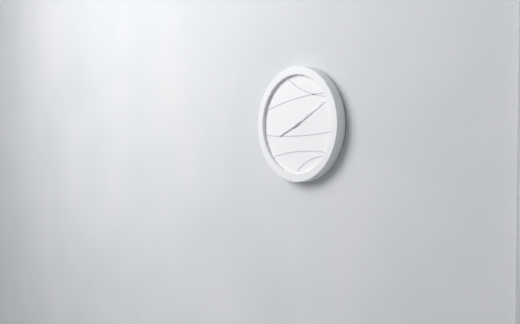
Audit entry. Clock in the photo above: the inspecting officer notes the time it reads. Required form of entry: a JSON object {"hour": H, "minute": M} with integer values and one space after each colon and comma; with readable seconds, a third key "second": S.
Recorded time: {"hour": 8, "minute": 10}
